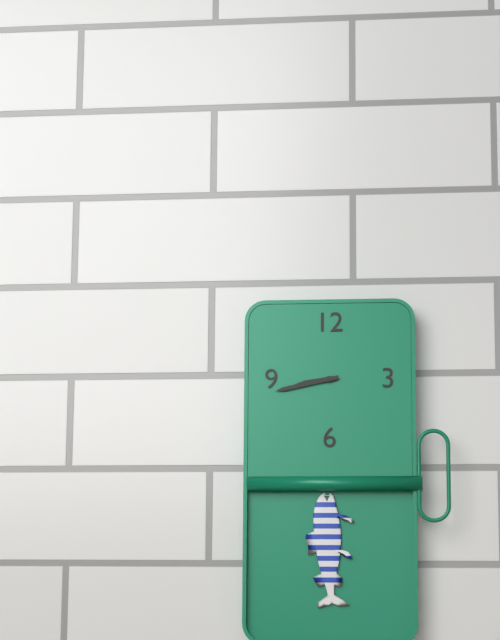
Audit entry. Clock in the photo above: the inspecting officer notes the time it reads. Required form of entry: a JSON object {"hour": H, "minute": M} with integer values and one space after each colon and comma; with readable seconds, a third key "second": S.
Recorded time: {"hour": 8, "minute": 43}
